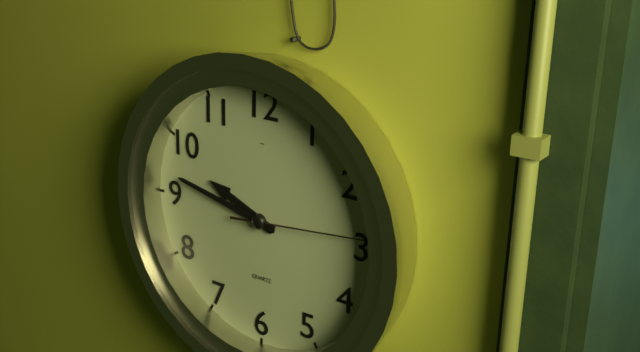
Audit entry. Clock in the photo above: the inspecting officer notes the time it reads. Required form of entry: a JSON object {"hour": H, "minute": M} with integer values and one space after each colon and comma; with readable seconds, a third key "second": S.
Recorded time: {"hour": 9, "minute": 47, "second": 14}
